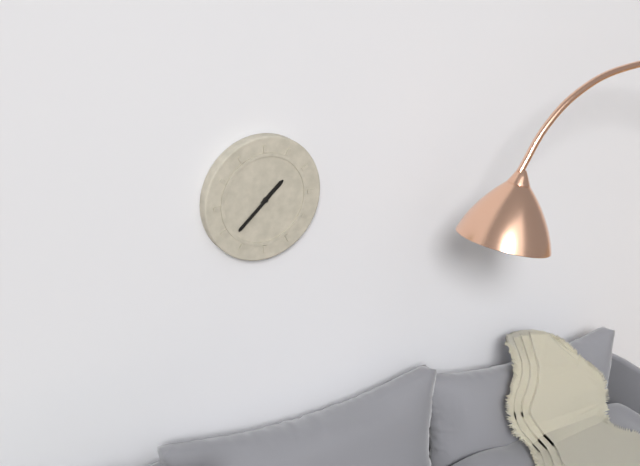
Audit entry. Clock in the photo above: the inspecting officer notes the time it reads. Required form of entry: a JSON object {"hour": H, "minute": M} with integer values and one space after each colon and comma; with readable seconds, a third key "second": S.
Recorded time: {"hour": 1, "minute": 38}
